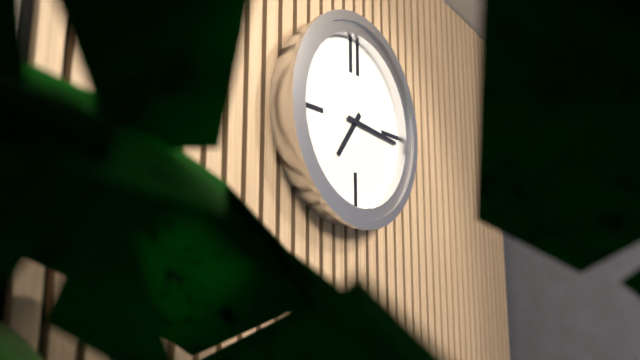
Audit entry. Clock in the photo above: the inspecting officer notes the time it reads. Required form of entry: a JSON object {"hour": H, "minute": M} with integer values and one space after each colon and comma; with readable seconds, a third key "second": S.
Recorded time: {"hour": 7, "minute": 16}
